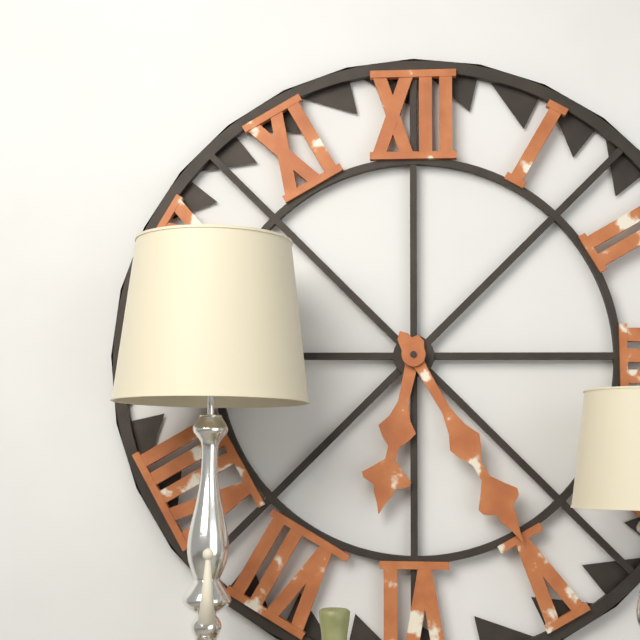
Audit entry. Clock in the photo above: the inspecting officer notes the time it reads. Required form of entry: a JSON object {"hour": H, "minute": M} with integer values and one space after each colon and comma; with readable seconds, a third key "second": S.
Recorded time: {"hour": 6, "minute": 25}
